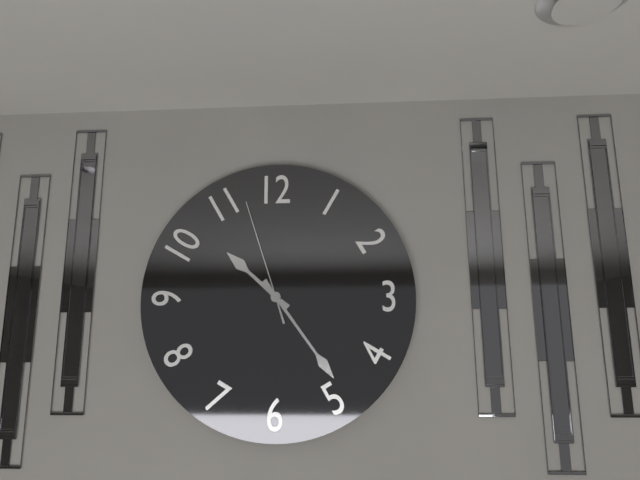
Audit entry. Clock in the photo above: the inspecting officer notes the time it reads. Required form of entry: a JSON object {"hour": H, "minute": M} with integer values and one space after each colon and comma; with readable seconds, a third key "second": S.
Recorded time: {"hour": 10, "minute": 24, "second": 57}
